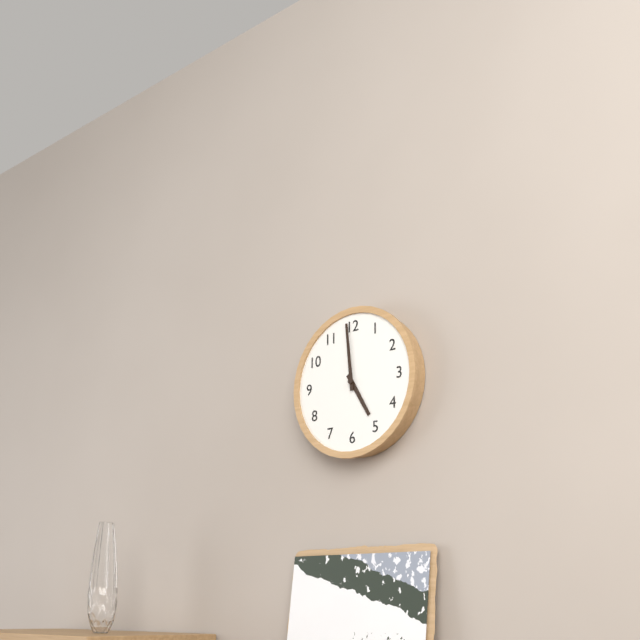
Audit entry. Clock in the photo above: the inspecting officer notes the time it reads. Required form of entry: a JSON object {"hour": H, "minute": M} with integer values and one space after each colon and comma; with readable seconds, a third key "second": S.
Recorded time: {"hour": 4, "minute": 59}
